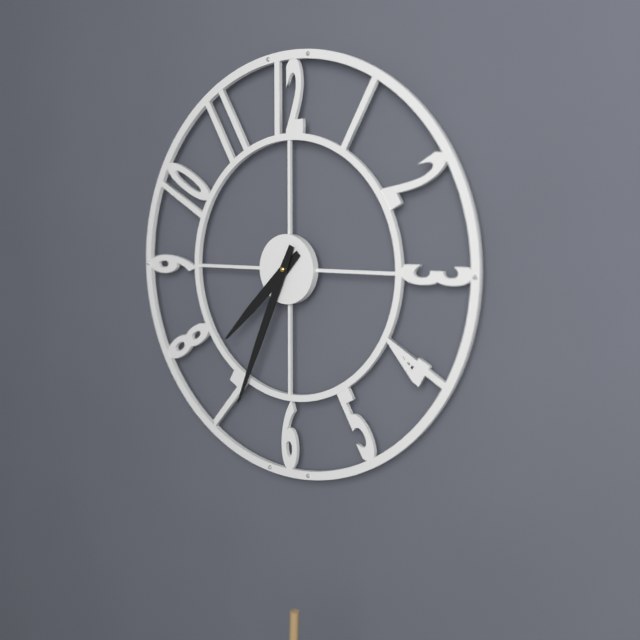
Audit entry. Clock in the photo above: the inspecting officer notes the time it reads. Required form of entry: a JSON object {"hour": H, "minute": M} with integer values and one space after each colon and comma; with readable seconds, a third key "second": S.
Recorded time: {"hour": 7, "minute": 34}
